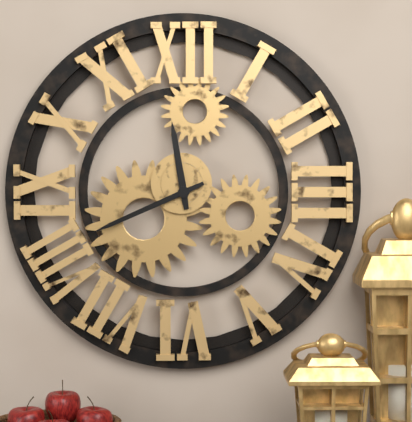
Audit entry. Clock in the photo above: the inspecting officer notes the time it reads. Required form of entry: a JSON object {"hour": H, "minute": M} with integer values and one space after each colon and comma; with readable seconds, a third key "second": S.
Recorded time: {"hour": 11, "minute": 41}
